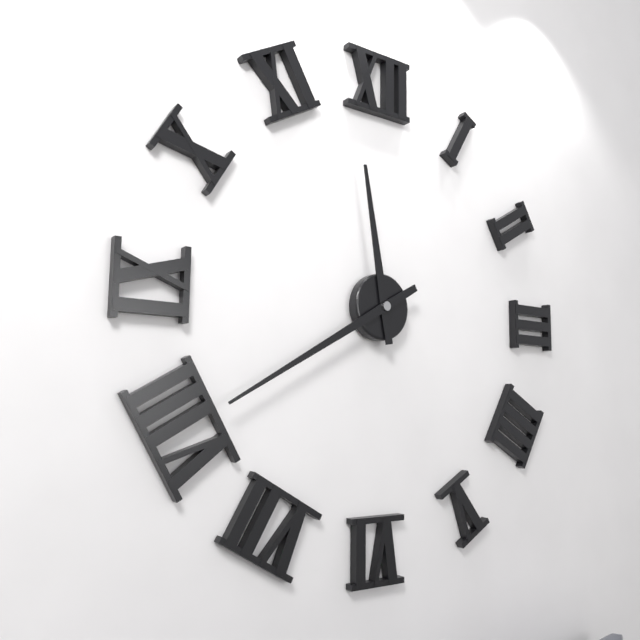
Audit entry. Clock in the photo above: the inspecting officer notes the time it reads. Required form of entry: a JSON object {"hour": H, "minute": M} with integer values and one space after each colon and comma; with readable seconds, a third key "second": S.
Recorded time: {"hour": 11, "minute": 40}
